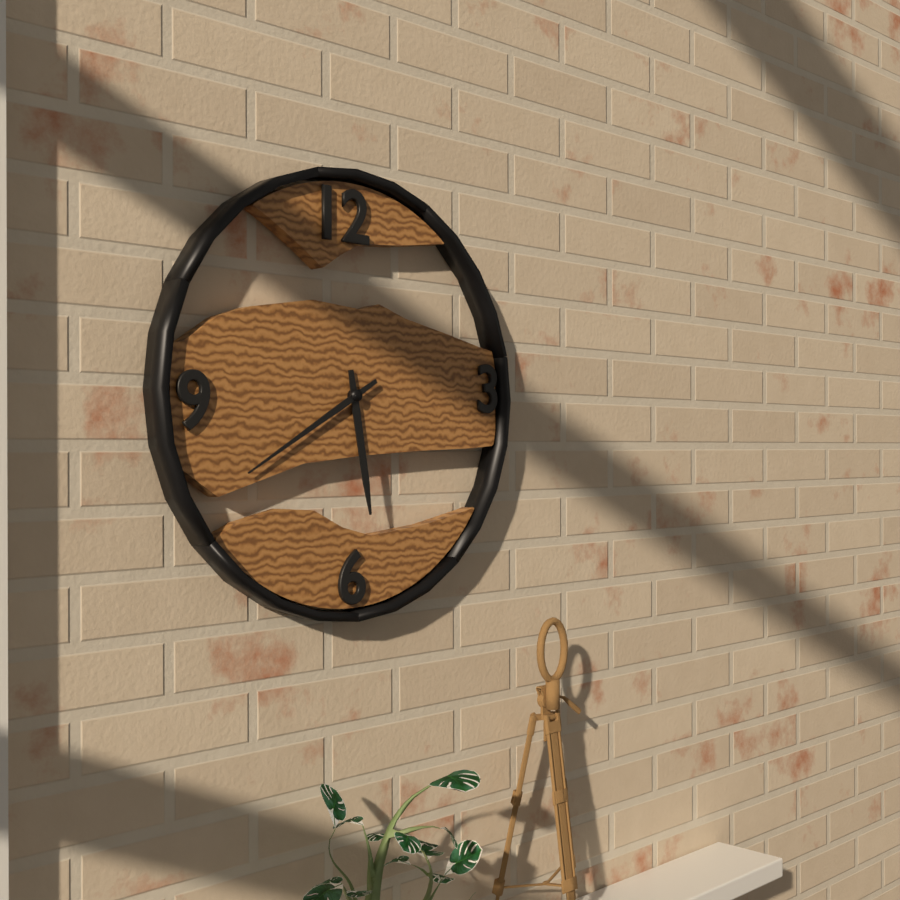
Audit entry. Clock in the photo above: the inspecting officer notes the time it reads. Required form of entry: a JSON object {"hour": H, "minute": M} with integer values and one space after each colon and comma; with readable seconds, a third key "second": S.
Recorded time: {"hour": 5, "minute": 40}
